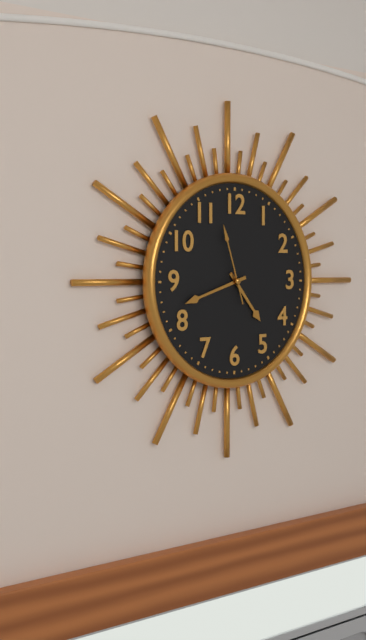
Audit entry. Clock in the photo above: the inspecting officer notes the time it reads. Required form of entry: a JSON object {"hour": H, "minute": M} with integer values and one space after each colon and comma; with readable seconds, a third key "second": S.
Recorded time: {"hour": 4, "minute": 42, "second": 57}
